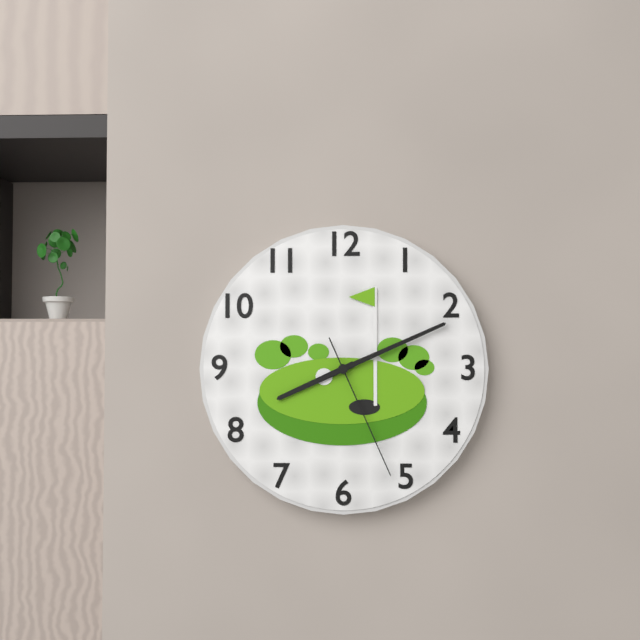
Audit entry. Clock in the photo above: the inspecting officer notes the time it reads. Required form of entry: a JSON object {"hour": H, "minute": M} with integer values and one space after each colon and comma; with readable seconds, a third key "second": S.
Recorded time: {"hour": 8, "minute": 11, "second": 26}
